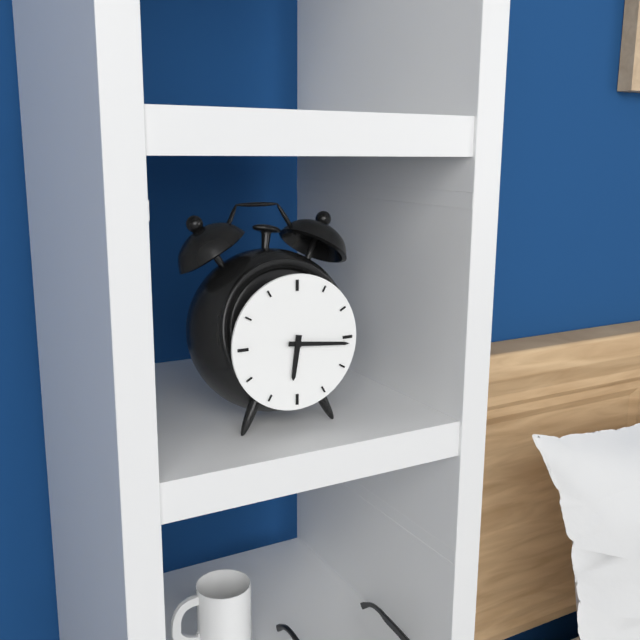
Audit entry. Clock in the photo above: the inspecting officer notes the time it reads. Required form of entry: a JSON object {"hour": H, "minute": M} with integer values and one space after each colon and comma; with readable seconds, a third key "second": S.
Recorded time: {"hour": 6, "minute": 16}
